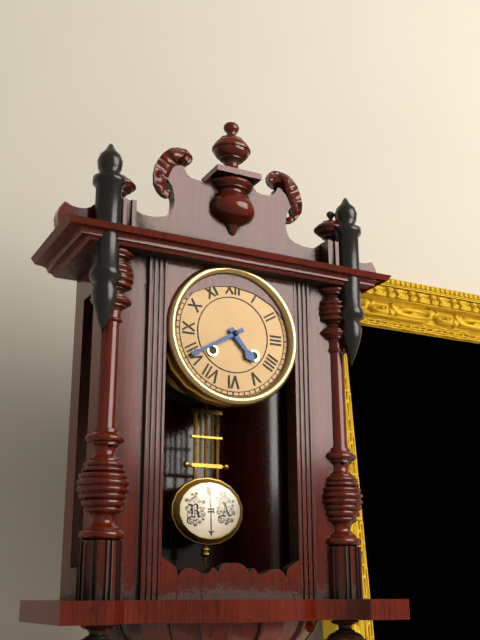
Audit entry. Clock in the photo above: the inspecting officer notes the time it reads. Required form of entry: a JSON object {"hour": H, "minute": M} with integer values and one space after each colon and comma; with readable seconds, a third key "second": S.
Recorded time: {"hour": 4, "minute": 40}
